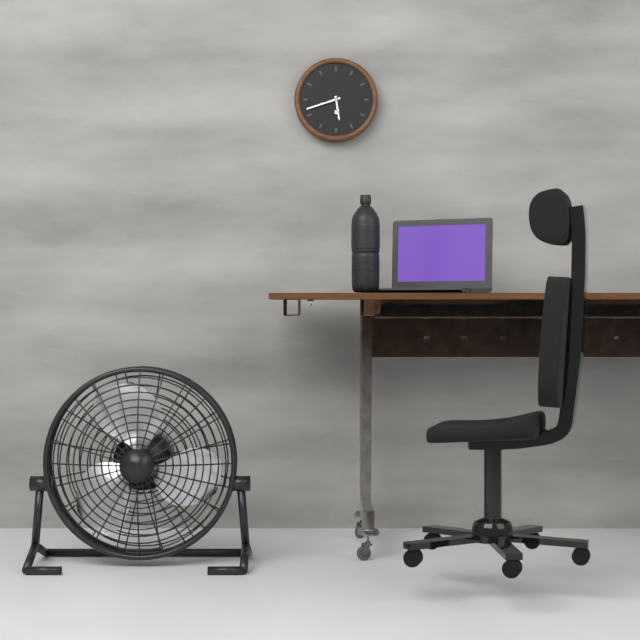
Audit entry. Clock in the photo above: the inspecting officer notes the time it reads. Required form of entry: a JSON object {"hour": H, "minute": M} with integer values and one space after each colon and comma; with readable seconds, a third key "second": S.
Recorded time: {"hour": 5, "minute": 42}
